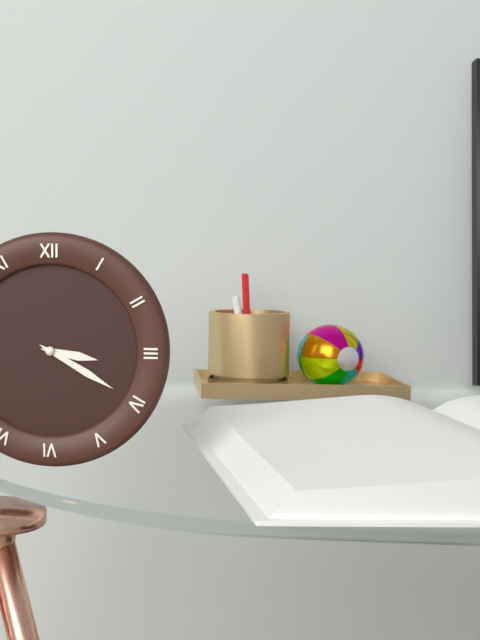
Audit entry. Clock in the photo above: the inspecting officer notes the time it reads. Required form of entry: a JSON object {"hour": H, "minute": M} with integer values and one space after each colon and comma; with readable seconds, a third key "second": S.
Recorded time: {"hour": 3, "minute": 20}
